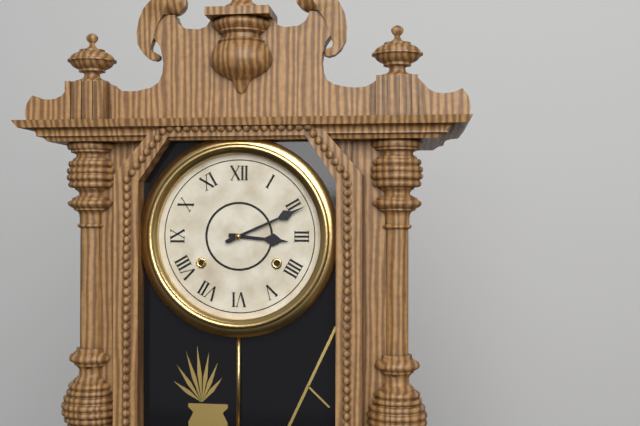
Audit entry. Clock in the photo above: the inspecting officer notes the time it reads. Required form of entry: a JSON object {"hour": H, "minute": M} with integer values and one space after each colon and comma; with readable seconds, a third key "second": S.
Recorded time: {"hour": 3, "minute": 11}
